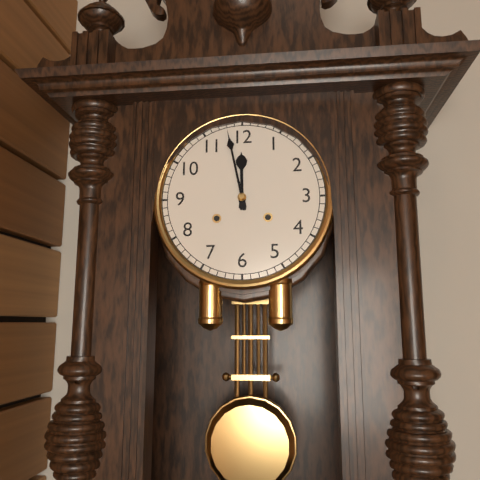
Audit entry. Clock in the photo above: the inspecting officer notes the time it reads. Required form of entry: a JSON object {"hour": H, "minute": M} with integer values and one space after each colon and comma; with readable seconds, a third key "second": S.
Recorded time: {"hour": 11, "minute": 58}
